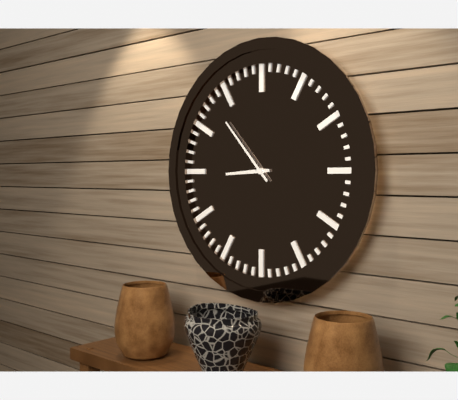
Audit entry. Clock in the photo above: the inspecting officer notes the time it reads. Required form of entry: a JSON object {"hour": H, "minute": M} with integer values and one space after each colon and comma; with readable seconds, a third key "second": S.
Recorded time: {"hour": 8, "minute": 53}
